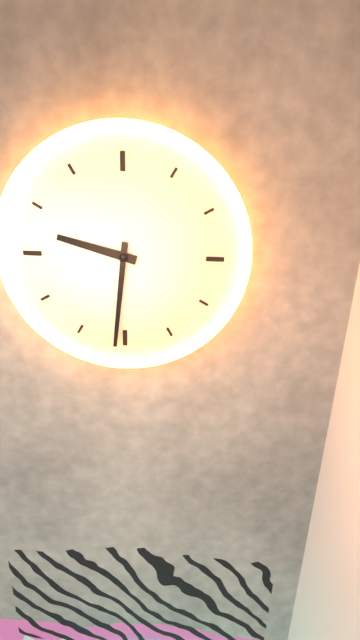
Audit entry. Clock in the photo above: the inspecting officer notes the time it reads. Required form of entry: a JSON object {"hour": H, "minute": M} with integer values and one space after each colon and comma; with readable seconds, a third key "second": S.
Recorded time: {"hour": 9, "minute": 31}
